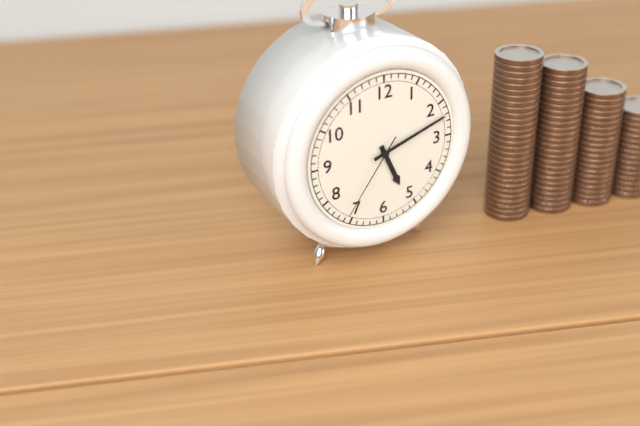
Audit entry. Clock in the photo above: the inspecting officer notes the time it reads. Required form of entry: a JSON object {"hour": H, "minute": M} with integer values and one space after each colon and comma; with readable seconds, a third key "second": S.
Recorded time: {"hour": 5, "minute": 12, "second": 36}
